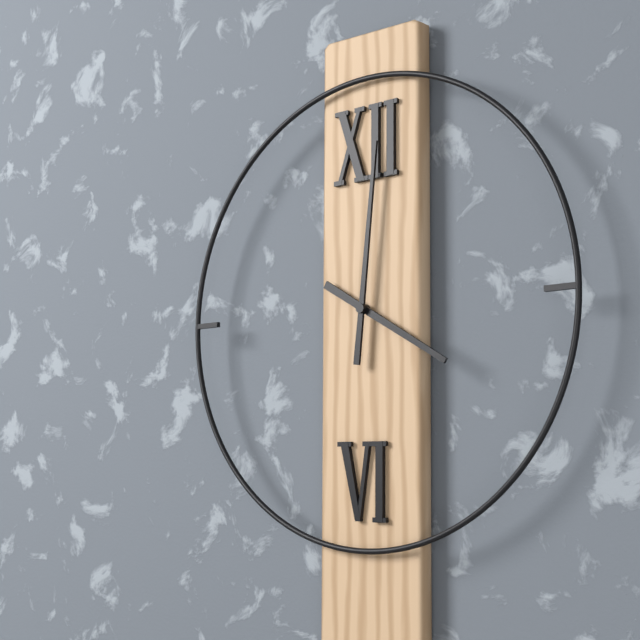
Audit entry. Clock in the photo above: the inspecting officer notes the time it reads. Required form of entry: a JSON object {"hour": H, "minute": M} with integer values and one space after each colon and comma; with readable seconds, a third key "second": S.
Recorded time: {"hour": 4, "minute": 1}
